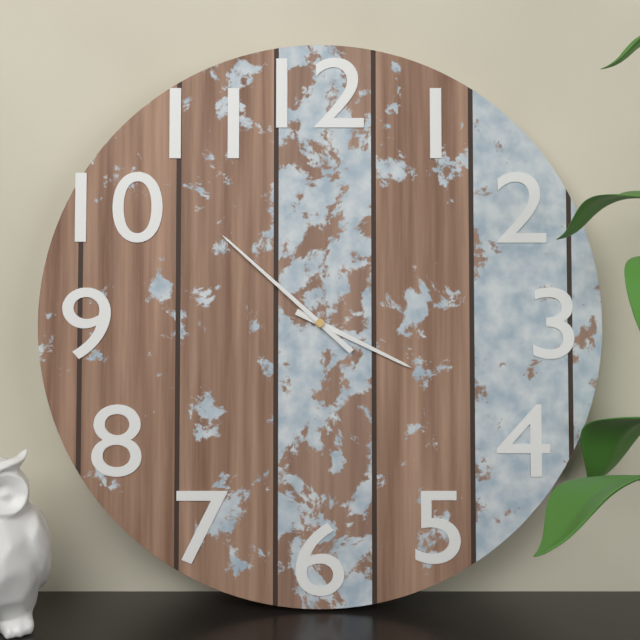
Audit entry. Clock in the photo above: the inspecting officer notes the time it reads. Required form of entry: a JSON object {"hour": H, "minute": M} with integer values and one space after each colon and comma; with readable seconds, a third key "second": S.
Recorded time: {"hour": 3, "minute": 52}
